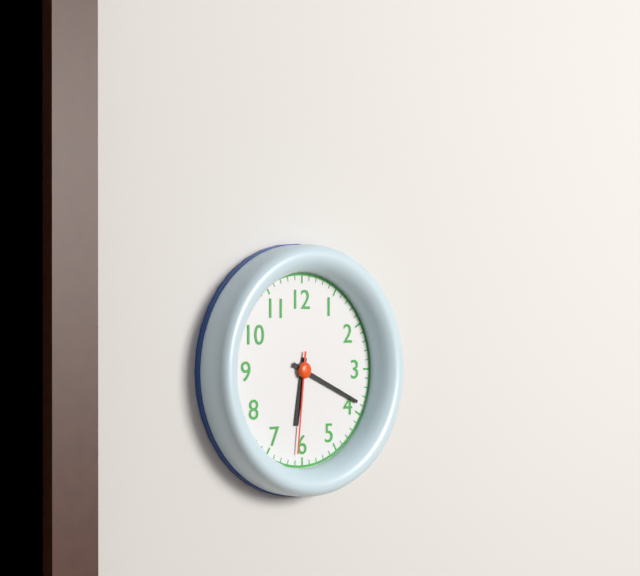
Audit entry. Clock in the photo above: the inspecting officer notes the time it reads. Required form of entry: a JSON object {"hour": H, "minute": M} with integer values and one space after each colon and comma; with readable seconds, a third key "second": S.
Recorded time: {"hour": 6, "minute": 19, "second": 31}
